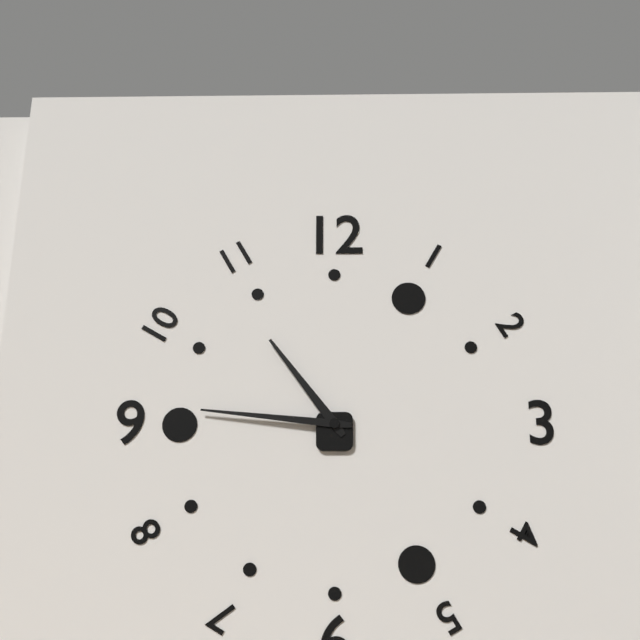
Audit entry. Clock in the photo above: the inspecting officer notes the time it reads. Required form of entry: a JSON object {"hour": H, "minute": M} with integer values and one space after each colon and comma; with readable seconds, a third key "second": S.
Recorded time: {"hour": 10, "minute": 46}
